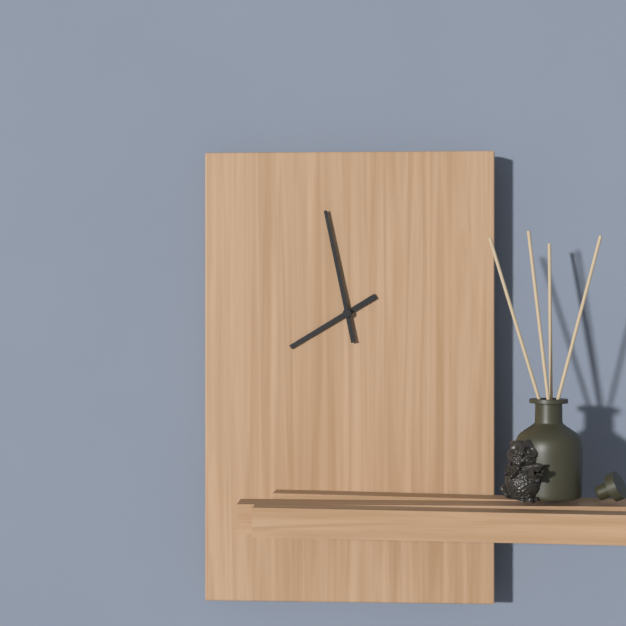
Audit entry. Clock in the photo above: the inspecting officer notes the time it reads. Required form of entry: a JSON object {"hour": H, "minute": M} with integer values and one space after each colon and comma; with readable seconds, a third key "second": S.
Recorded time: {"hour": 7, "minute": 58}
